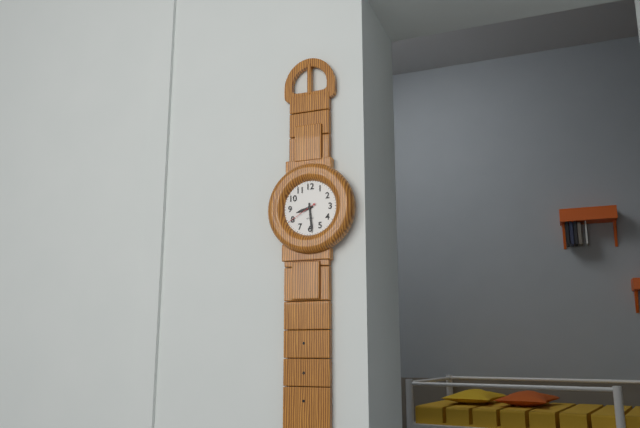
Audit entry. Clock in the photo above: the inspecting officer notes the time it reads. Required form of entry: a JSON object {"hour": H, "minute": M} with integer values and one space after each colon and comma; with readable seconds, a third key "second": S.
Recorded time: {"hour": 8, "minute": 29}
